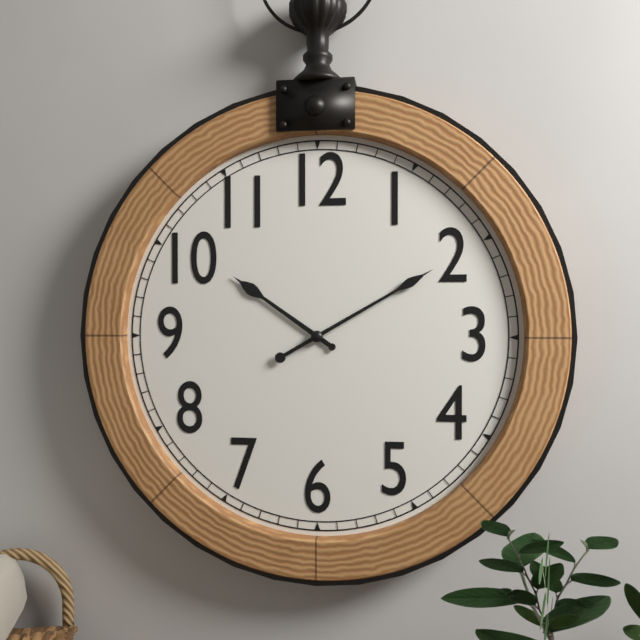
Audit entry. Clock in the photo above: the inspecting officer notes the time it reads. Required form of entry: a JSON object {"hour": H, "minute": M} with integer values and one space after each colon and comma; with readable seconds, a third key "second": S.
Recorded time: {"hour": 10, "minute": 10}
